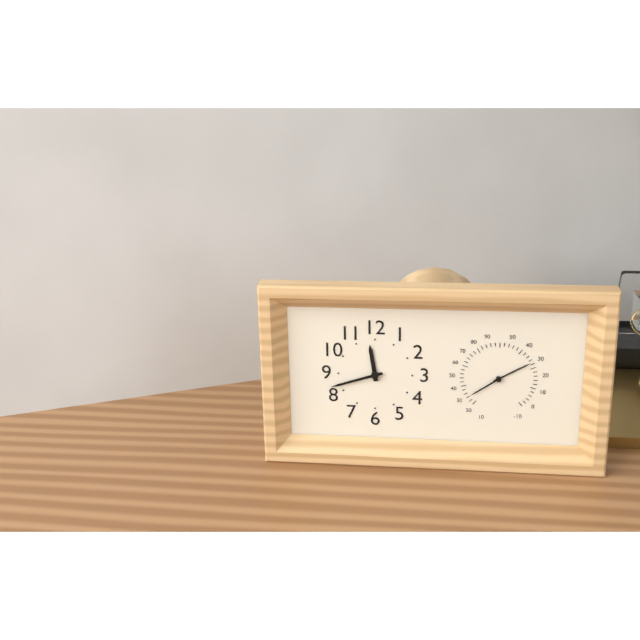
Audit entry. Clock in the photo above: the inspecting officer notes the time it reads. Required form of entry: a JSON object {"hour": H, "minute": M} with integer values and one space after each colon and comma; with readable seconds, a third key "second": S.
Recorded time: {"hour": 11, "minute": 42}
